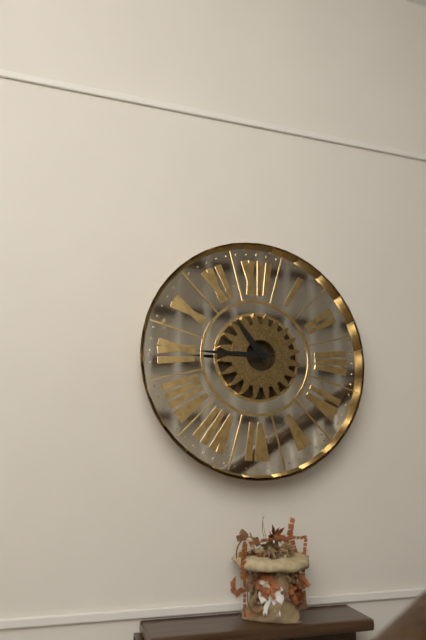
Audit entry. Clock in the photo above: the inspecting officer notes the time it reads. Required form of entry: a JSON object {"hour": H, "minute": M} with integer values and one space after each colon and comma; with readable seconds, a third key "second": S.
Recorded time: {"hour": 10, "minute": 45}
